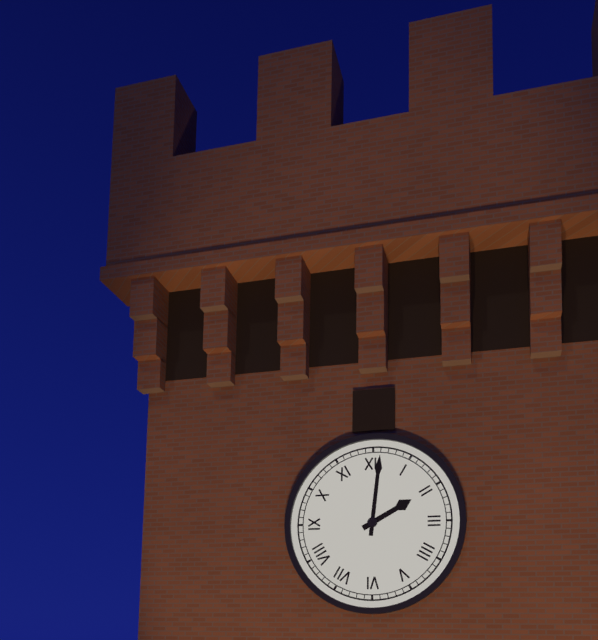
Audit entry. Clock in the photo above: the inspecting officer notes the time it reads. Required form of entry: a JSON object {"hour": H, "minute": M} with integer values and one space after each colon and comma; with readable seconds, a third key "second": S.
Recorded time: {"hour": 2, "minute": 1}
